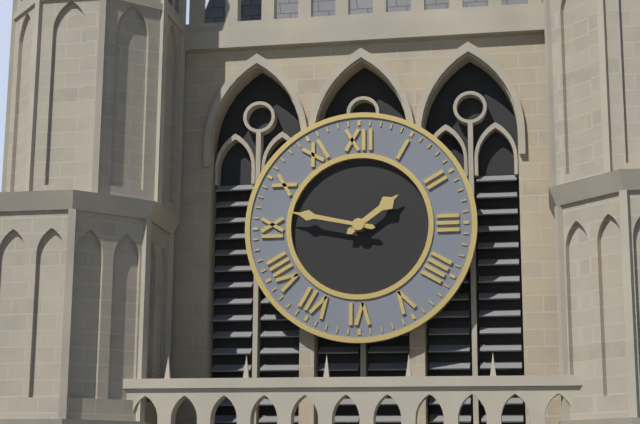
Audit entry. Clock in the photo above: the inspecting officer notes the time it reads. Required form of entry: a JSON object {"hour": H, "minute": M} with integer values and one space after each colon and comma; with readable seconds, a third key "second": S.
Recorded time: {"hour": 1, "minute": 47}
